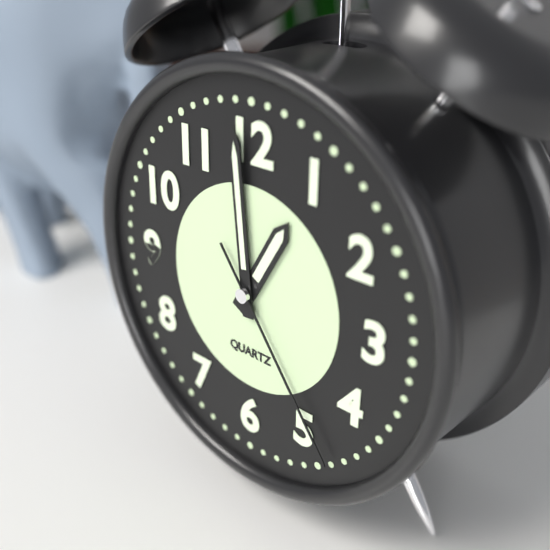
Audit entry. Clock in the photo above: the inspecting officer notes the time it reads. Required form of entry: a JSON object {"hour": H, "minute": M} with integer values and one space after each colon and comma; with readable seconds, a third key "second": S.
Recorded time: {"hour": 12, "minute": 59, "second": 24}
